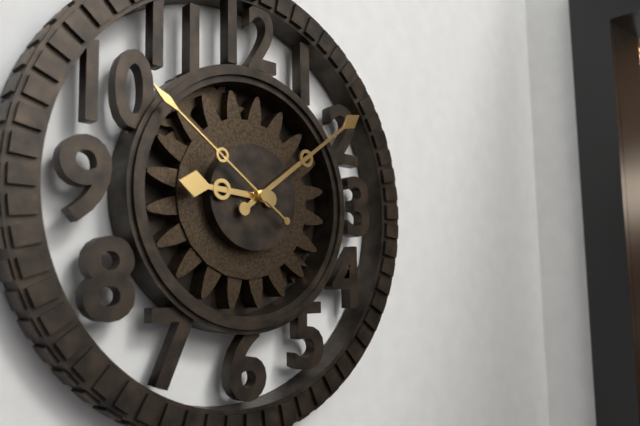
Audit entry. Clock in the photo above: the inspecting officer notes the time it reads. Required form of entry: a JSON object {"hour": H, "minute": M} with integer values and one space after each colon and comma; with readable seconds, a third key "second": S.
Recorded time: {"hour": 9, "minute": 9, "second": 51}
